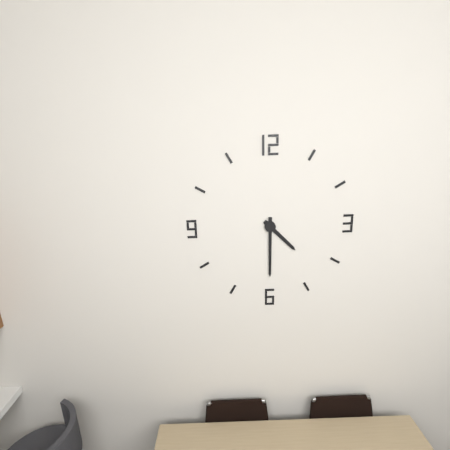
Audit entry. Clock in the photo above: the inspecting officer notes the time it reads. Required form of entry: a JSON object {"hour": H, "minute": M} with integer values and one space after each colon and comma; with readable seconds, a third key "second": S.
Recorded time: {"hour": 4, "minute": 30}
